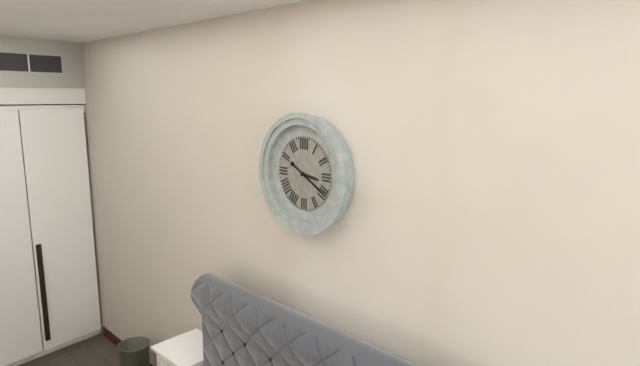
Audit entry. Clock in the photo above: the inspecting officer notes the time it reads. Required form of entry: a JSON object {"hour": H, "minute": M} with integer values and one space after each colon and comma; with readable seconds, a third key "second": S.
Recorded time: {"hour": 3, "minute": 20}
